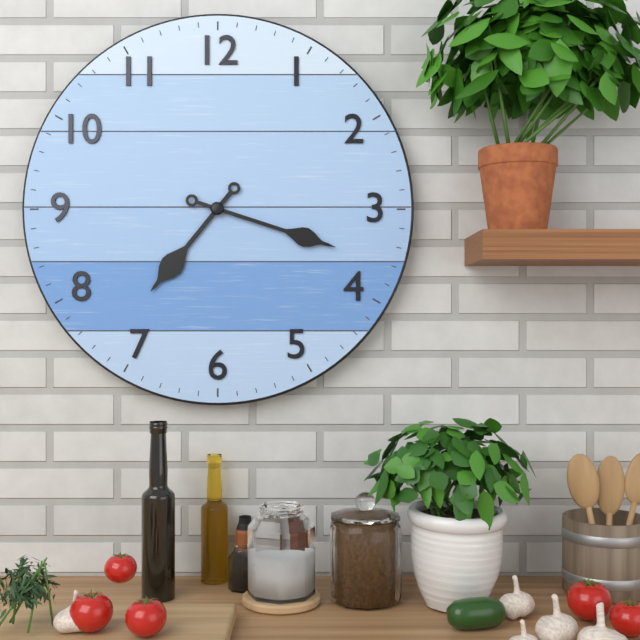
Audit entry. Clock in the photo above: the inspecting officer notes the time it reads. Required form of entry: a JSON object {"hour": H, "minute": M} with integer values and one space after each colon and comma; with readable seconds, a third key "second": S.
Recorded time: {"hour": 7, "minute": 18}
